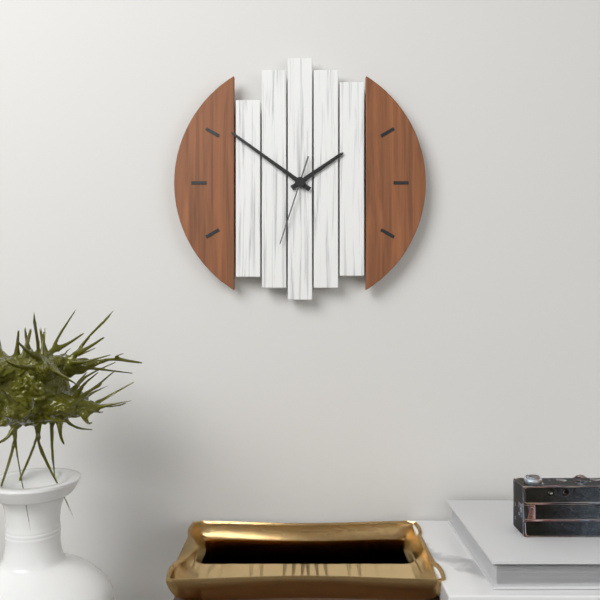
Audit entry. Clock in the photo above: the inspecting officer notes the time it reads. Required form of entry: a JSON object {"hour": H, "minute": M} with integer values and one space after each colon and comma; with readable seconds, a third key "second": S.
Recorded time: {"hour": 1, "minute": 51, "second": 33}
